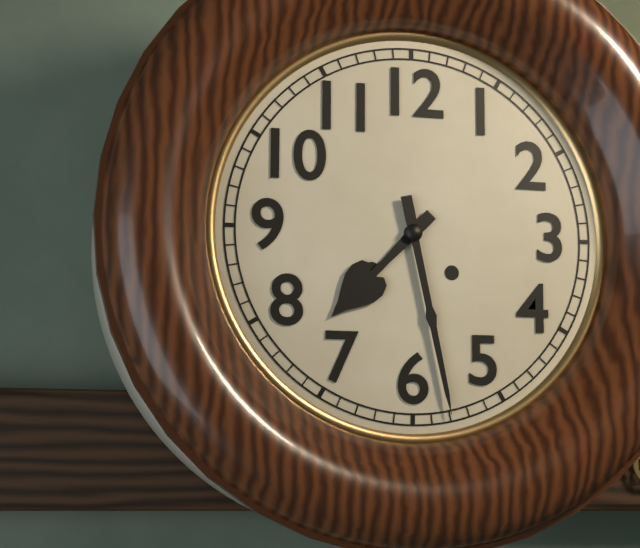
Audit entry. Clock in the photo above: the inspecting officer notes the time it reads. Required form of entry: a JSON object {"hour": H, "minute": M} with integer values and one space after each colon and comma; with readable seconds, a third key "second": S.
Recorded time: {"hour": 7, "minute": 28}
